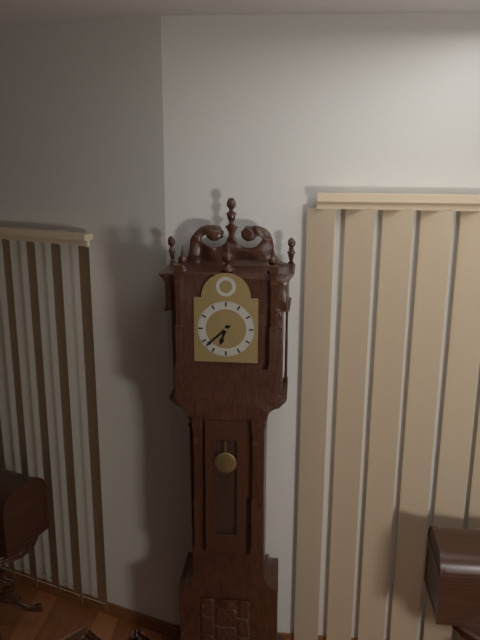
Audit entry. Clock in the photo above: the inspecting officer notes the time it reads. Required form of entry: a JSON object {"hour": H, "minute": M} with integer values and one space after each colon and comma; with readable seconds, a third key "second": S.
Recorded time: {"hour": 6, "minute": 38}
